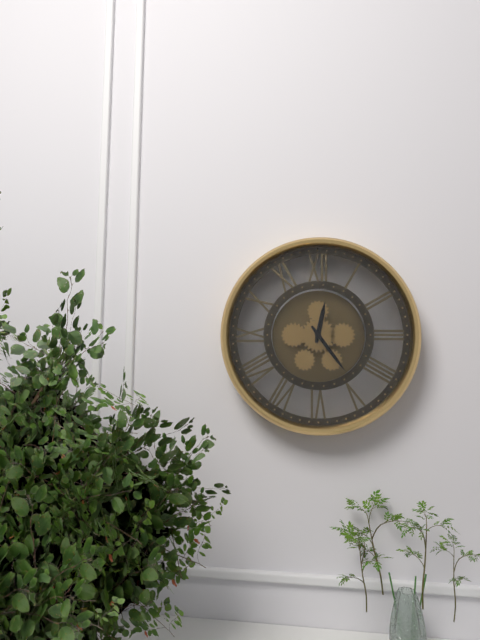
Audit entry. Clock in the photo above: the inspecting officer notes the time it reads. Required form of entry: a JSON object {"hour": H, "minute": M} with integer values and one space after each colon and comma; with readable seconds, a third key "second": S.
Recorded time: {"hour": 12, "minute": 24}
